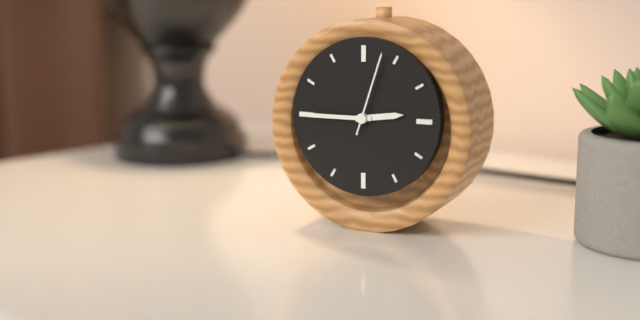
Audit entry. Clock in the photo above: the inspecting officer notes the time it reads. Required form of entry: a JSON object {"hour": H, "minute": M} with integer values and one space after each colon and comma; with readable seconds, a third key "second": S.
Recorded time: {"hour": 2, "minute": 45, "second": 3}
